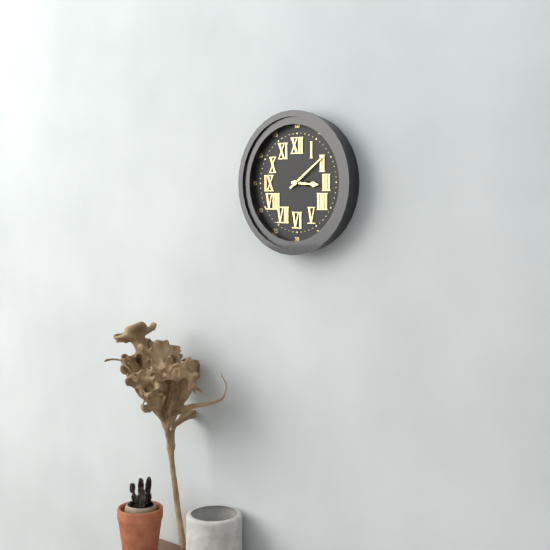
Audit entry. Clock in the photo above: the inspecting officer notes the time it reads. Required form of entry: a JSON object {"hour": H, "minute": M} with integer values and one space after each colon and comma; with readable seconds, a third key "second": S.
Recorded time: {"hour": 3, "minute": 9}
